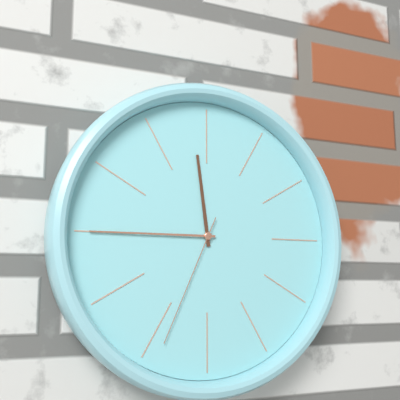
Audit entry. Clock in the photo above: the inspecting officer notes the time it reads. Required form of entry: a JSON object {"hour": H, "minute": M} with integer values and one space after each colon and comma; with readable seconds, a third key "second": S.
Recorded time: {"hour": 11, "minute": 45, "second": 34}
